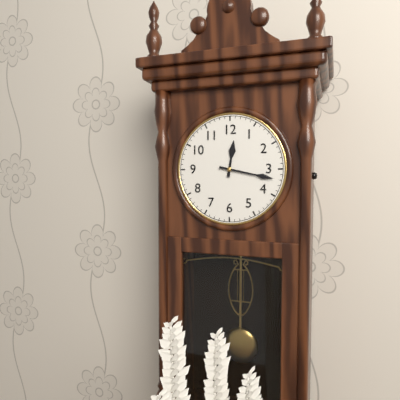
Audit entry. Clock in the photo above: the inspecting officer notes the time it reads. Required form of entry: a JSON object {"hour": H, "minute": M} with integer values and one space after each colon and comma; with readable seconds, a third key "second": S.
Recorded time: {"hour": 12, "minute": 17}
